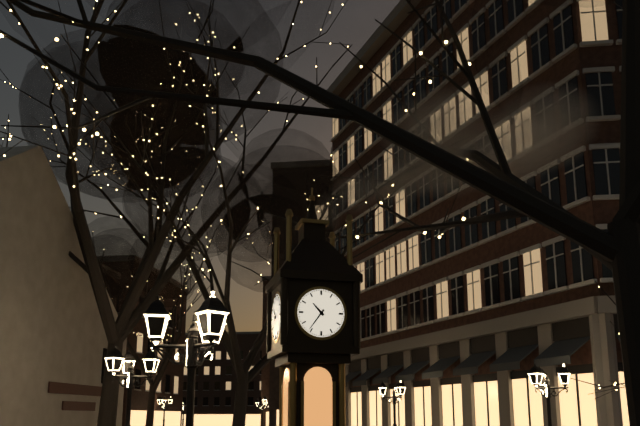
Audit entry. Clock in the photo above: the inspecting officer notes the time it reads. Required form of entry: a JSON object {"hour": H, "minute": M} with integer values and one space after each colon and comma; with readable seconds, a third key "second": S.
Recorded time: {"hour": 10, "minute": 36}
